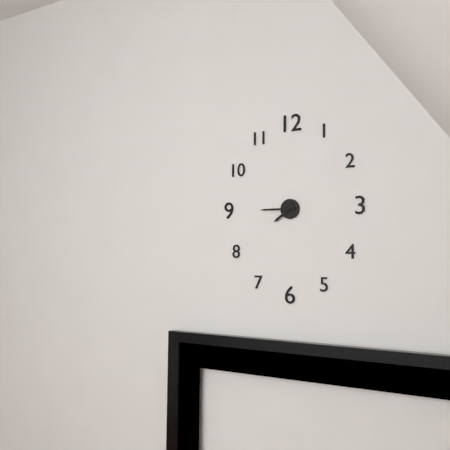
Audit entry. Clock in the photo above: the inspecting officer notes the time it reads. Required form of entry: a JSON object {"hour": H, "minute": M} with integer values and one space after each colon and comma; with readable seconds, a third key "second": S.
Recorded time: {"hour": 7, "minute": 45}
